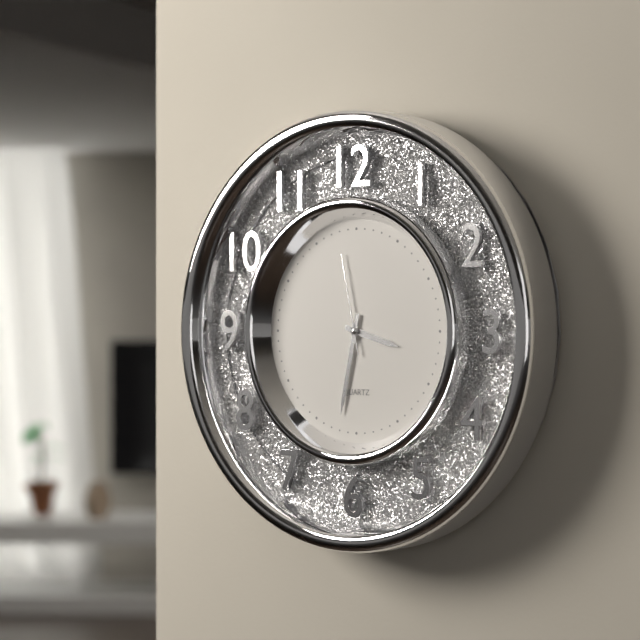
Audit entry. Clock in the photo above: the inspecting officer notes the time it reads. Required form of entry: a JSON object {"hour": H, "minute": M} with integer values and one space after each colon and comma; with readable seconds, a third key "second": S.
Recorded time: {"hour": 3, "minute": 32, "second": 58}
